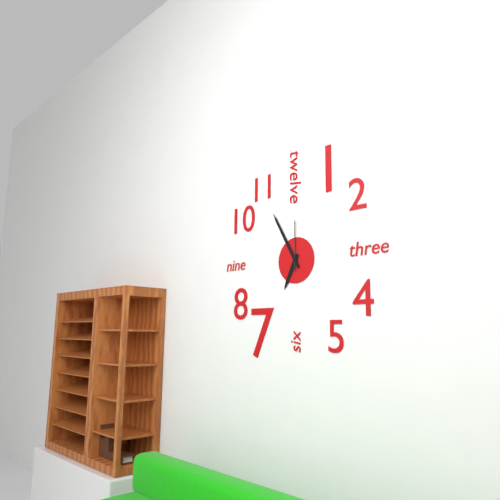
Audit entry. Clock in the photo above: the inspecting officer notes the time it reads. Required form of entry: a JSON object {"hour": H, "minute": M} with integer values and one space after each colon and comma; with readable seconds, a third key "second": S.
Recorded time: {"hour": 6, "minute": 55, "second": 0}
